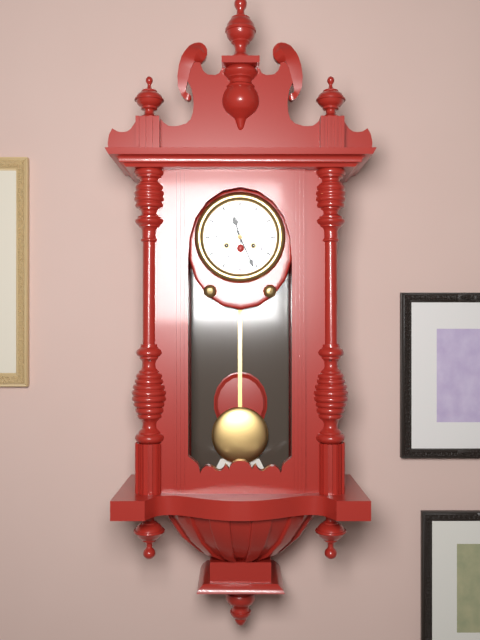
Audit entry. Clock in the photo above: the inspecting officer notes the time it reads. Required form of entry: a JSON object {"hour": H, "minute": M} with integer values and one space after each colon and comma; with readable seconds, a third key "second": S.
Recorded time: {"hour": 11, "minute": 26}
